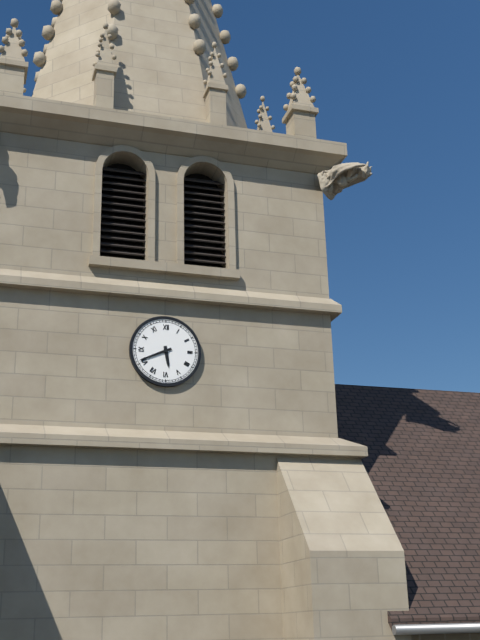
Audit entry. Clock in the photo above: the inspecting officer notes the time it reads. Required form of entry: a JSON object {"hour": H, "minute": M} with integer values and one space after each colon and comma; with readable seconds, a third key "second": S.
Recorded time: {"hour": 5, "minute": 41}
